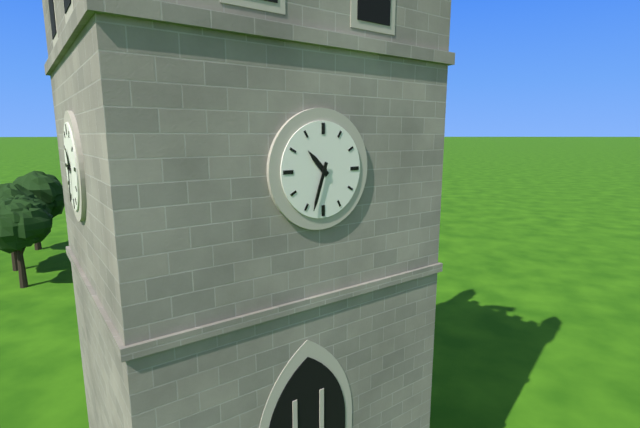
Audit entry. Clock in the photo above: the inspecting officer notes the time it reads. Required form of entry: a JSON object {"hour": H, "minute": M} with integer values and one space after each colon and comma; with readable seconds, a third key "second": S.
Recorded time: {"hour": 10, "minute": 33}
